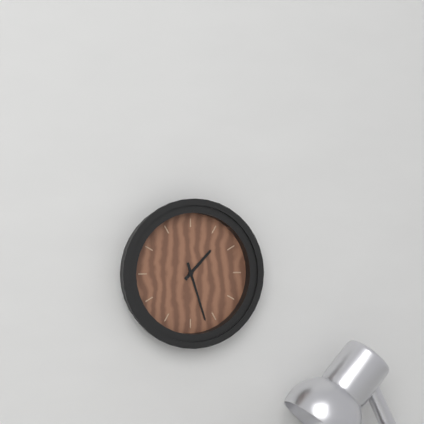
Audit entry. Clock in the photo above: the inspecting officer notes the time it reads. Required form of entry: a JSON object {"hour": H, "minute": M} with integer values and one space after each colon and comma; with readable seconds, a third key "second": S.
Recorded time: {"hour": 1, "minute": 27}
